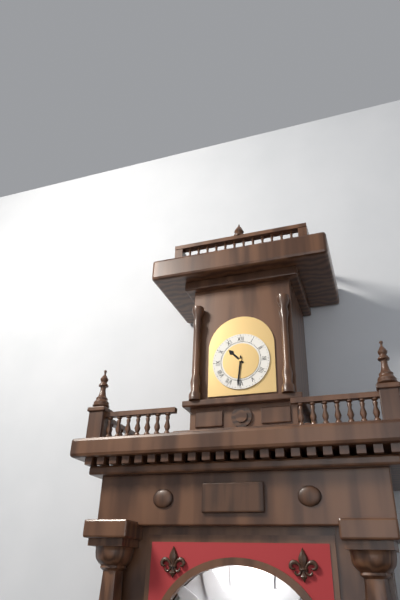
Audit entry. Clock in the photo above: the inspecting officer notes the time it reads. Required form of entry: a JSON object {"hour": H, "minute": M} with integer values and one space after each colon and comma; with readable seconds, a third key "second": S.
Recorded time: {"hour": 10, "minute": 31}
